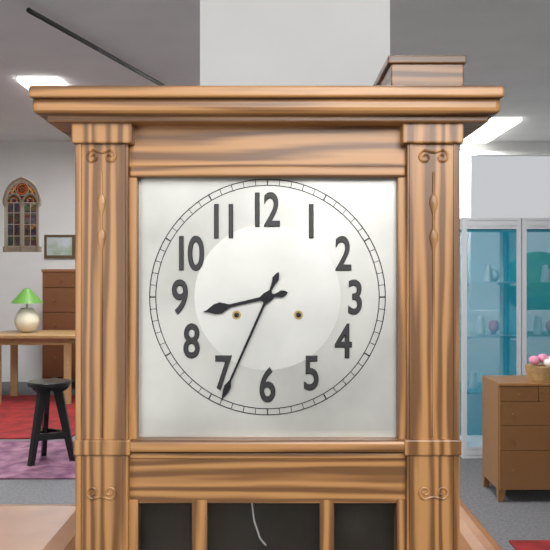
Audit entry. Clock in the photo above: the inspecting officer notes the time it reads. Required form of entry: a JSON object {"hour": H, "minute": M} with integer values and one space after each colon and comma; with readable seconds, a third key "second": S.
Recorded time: {"hour": 8, "minute": 34}
